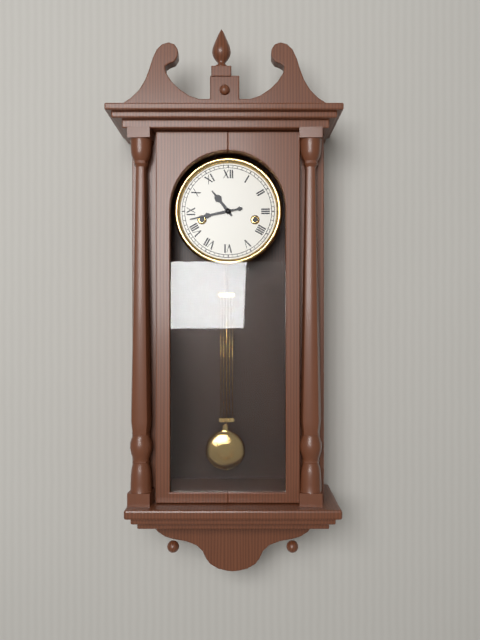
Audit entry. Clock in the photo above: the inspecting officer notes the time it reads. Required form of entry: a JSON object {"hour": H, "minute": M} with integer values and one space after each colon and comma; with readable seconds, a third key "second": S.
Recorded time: {"hour": 10, "minute": 43}
